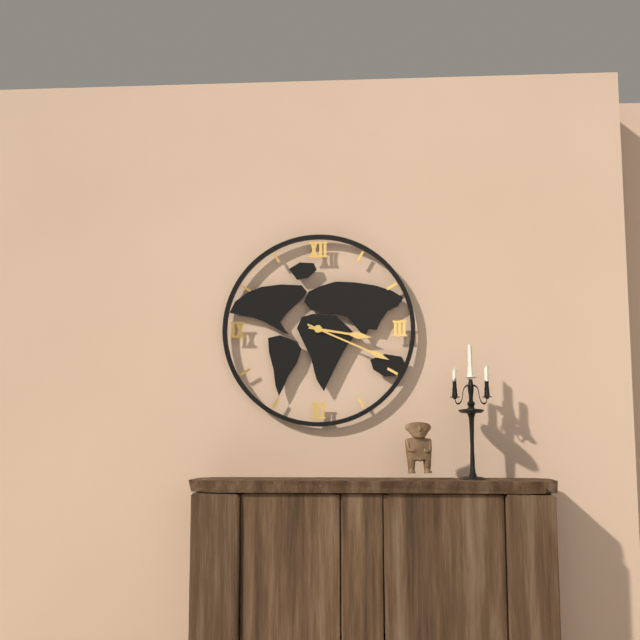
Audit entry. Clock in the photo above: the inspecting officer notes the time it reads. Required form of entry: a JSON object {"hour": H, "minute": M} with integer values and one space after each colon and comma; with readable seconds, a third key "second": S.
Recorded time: {"hour": 3, "minute": 19}
